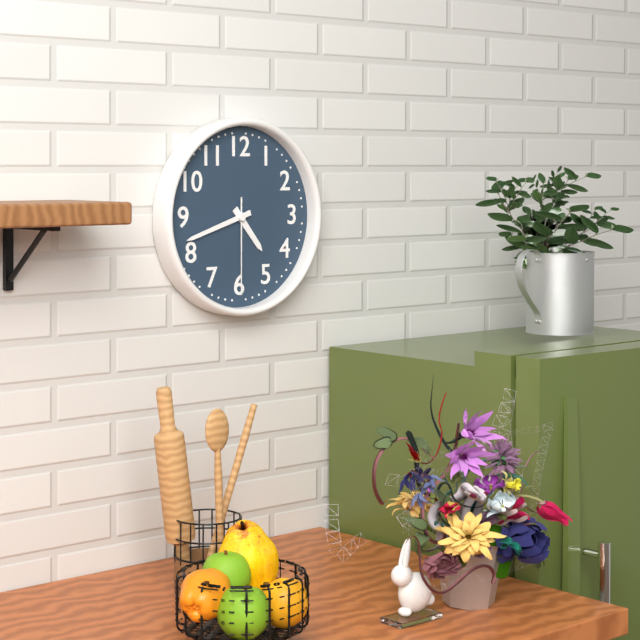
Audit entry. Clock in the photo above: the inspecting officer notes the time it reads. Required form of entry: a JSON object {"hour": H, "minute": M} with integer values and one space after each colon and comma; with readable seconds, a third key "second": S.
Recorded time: {"hour": 4, "minute": 42, "second": 30}
